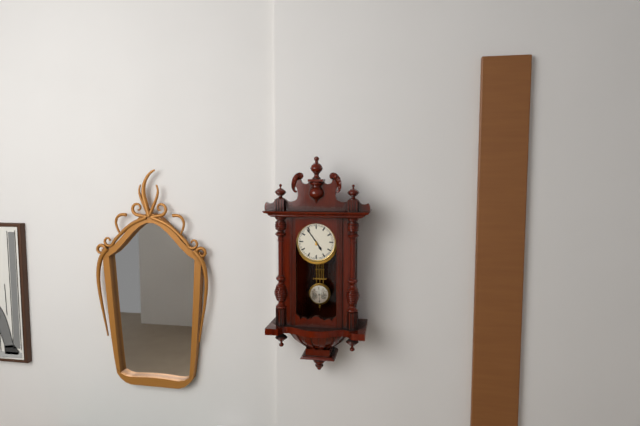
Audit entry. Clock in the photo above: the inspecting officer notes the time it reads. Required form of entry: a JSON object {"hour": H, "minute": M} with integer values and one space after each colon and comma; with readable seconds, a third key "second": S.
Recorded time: {"hour": 4, "minute": 54}
